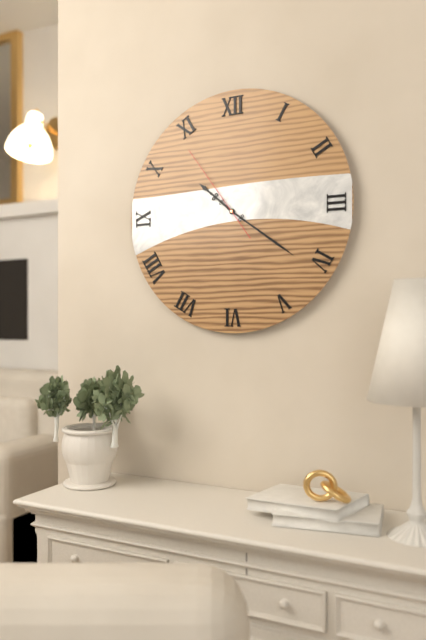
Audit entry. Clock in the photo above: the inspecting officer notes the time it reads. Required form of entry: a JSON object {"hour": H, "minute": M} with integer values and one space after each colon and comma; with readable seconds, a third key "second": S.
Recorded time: {"hour": 10, "minute": 21, "second": 54}
